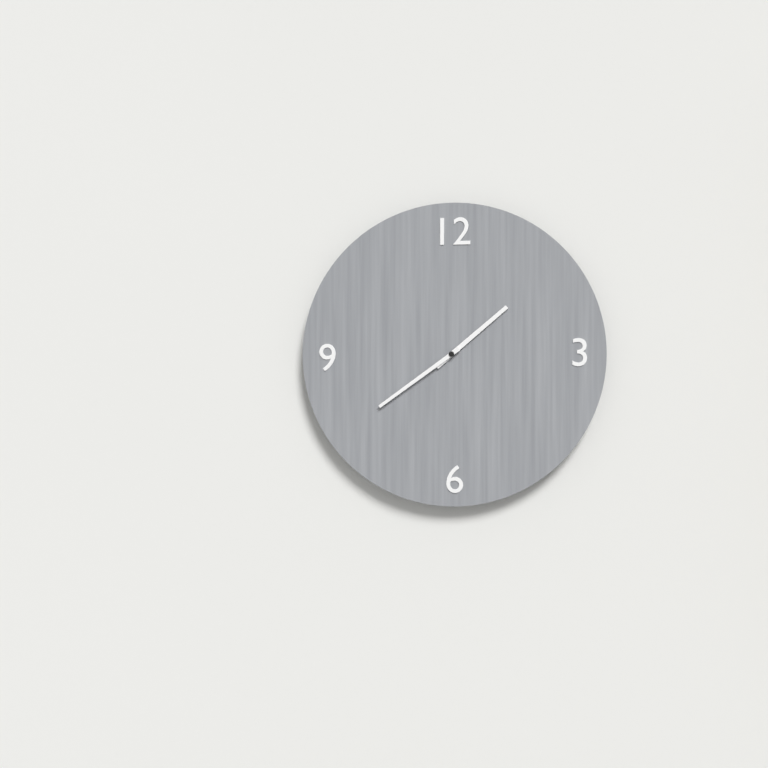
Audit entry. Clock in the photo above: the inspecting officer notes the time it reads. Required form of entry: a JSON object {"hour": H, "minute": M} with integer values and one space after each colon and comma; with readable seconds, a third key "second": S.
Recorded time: {"hour": 1, "minute": 39}
